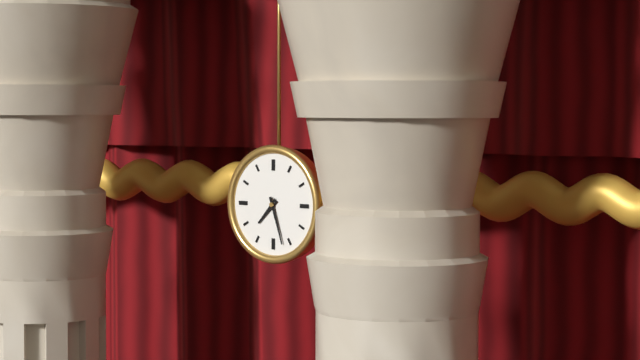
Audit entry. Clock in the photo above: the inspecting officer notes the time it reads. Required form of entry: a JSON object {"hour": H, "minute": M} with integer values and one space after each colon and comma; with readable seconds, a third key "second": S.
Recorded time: {"hour": 7, "minute": 27}
